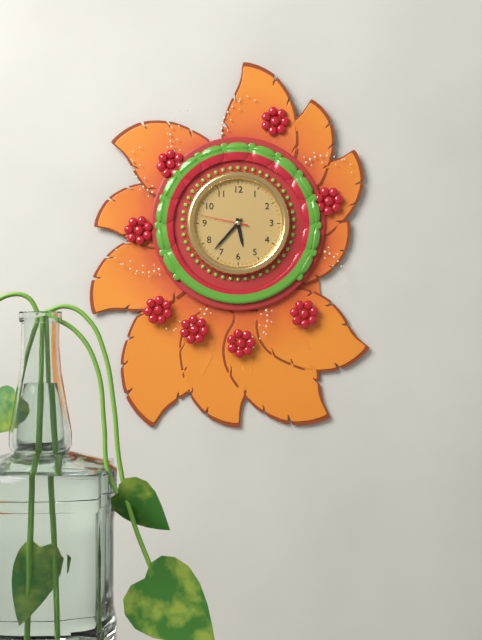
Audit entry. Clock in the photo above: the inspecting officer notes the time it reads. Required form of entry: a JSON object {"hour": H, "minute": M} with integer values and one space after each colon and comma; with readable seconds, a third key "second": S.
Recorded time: {"hour": 5, "minute": 37}
